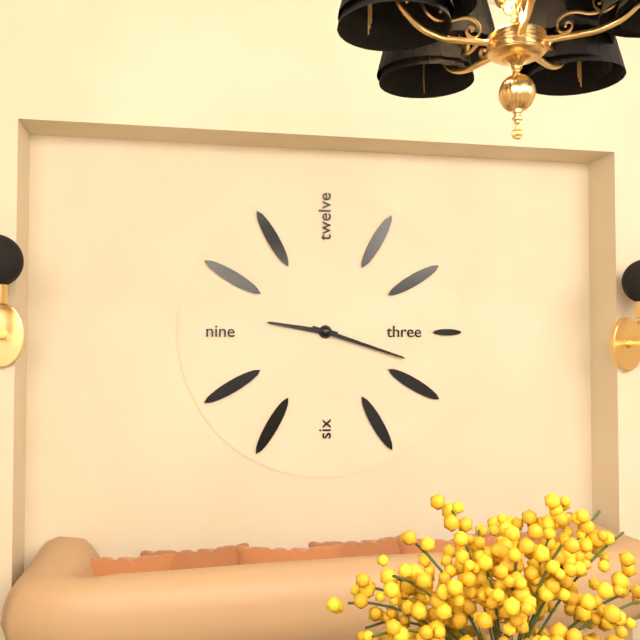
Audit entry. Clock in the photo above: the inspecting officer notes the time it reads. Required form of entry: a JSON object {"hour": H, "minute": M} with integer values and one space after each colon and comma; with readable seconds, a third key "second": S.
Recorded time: {"hour": 9, "minute": 18}
